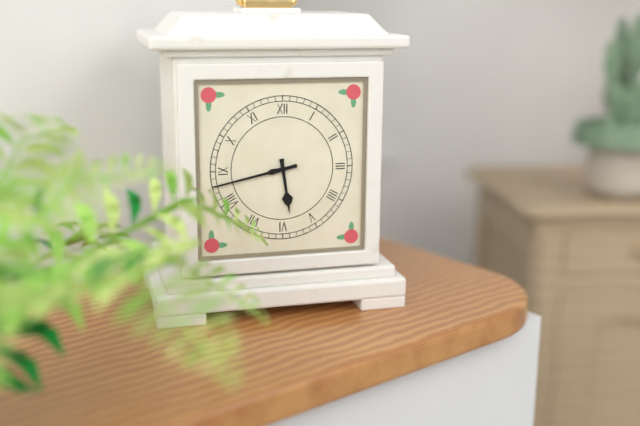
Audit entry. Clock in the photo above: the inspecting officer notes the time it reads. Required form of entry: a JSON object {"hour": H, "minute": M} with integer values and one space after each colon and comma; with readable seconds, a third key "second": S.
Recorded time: {"hour": 5, "minute": 43}
